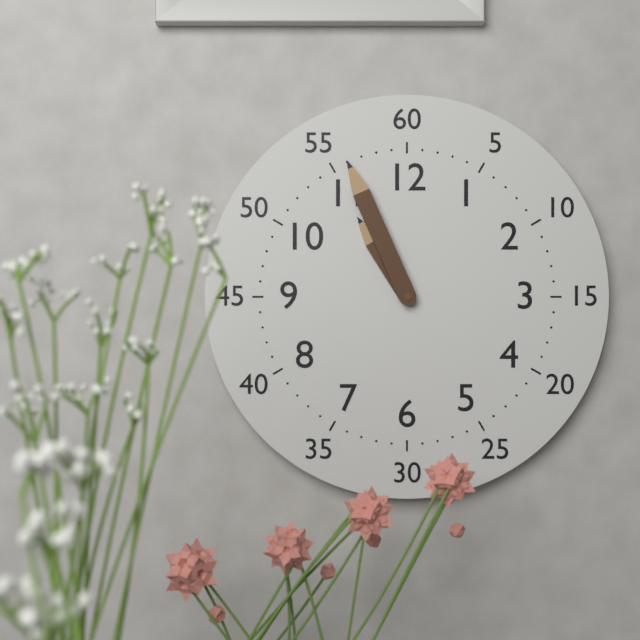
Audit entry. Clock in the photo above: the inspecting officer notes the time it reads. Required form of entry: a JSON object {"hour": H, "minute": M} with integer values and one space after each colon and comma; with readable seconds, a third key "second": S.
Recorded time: {"hour": 10, "minute": 56}
